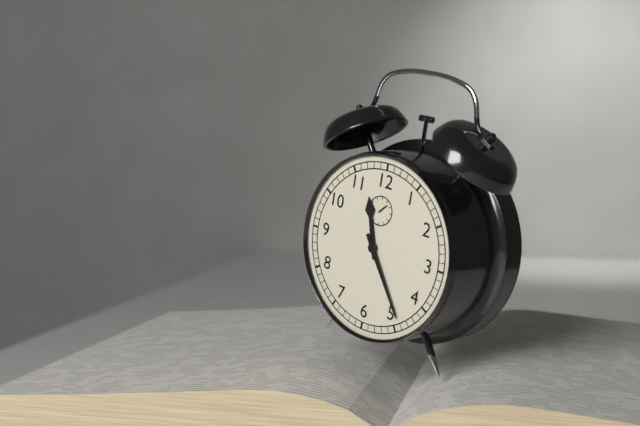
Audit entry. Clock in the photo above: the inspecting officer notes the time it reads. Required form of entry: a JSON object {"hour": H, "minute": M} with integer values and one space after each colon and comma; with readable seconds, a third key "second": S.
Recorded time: {"hour": 11, "minute": 24}
